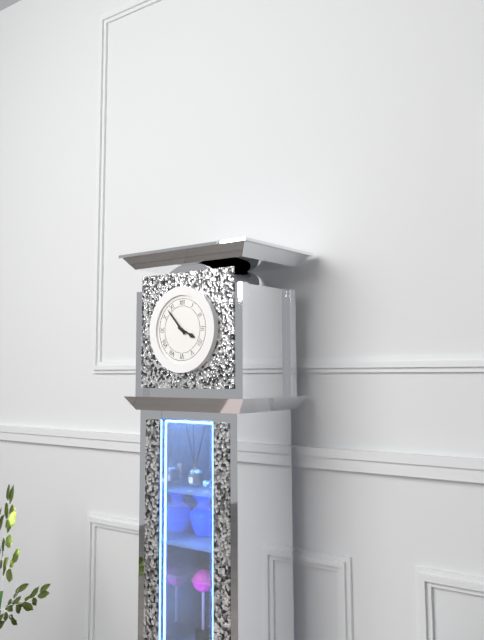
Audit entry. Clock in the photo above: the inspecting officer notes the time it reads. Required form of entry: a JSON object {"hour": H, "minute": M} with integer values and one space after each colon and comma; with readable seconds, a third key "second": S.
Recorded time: {"hour": 3, "minute": 53}
